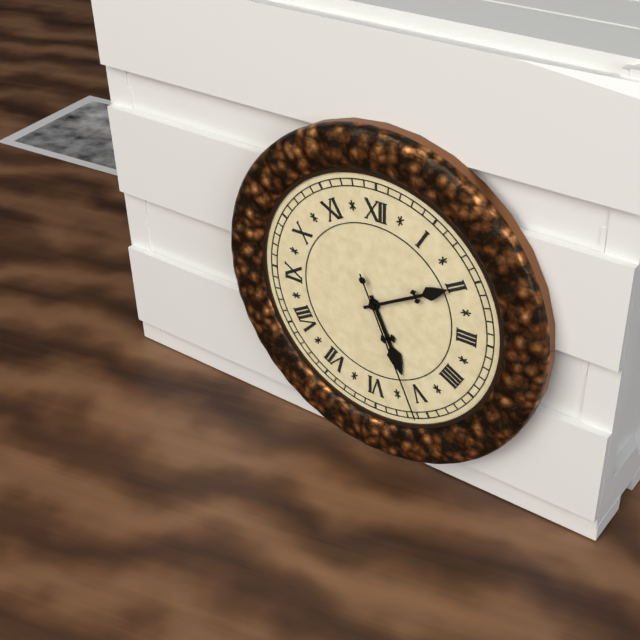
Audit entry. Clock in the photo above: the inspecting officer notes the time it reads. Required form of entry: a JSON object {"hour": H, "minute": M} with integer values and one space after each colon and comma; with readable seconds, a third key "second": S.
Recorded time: {"hour": 5, "minute": 10, "second": 26}
